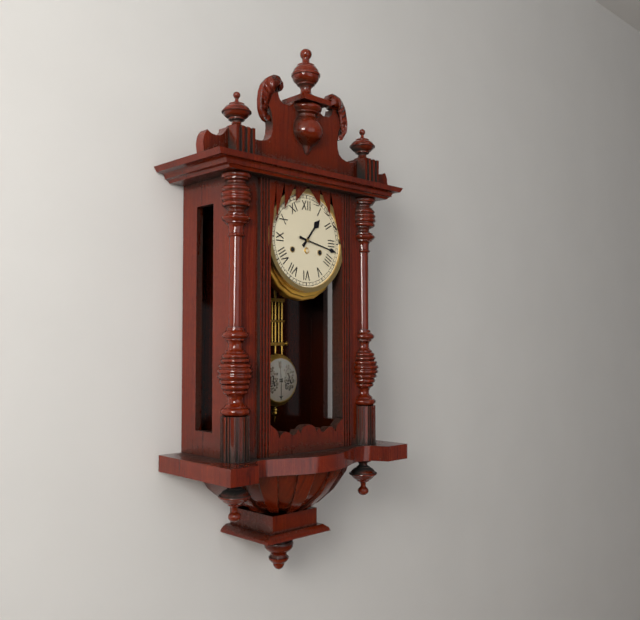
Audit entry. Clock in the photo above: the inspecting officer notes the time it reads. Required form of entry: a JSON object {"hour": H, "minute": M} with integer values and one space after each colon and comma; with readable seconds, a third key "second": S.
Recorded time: {"hour": 1, "minute": 17}
